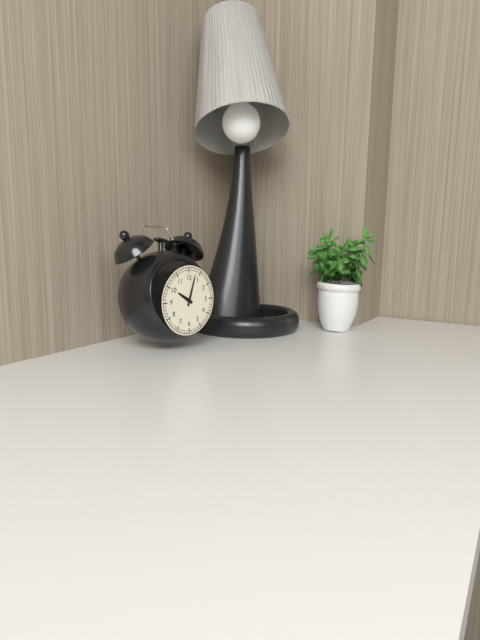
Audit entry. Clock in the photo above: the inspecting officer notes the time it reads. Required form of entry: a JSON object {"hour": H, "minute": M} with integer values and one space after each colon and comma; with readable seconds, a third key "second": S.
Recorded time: {"hour": 10, "minute": 3}
